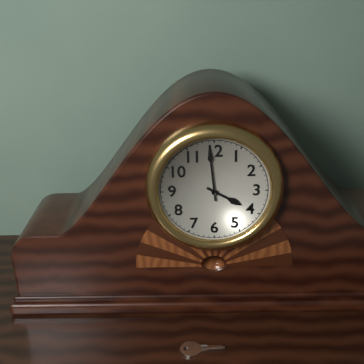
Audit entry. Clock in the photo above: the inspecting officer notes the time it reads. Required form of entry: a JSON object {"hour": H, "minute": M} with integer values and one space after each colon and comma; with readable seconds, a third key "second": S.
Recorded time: {"hour": 3, "minute": 59}
